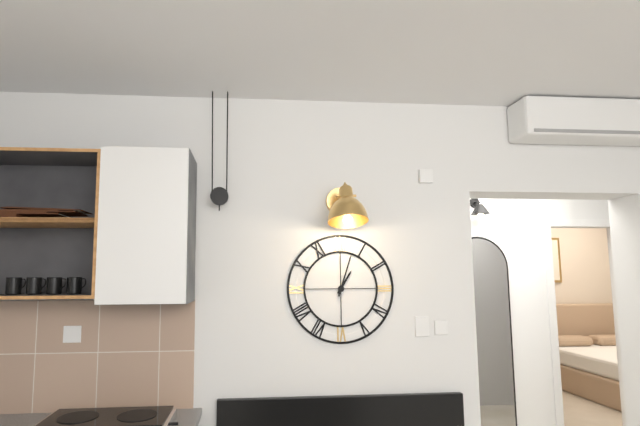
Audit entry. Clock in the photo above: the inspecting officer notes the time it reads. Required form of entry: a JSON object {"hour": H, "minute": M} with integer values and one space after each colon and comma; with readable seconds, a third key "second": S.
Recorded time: {"hour": 1, "minute": 3}
